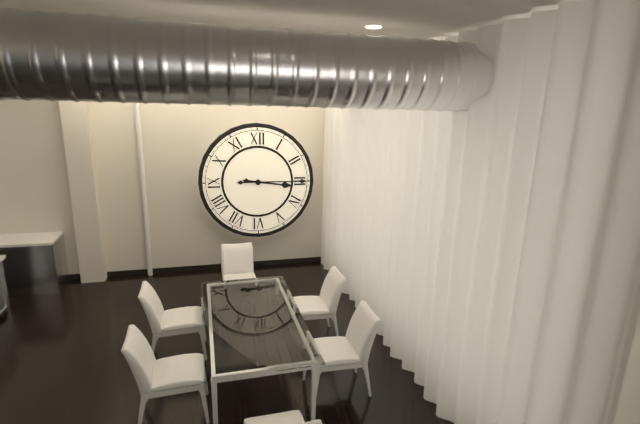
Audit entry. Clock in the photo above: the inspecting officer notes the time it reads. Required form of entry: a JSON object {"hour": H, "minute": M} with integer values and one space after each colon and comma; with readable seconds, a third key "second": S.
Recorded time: {"hour": 3, "minute": 15}
